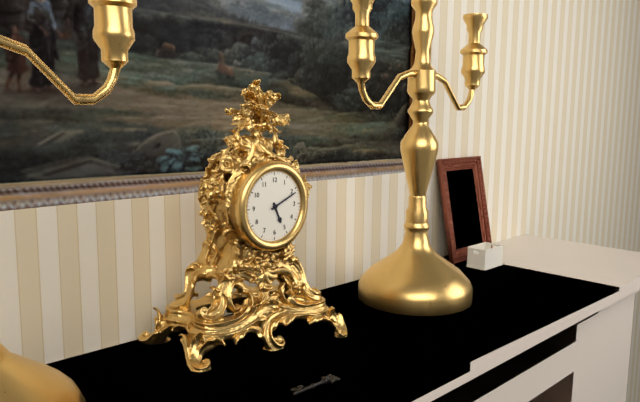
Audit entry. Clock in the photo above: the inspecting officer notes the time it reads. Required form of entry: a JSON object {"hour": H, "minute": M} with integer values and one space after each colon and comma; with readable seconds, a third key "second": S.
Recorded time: {"hour": 5, "minute": 11}
